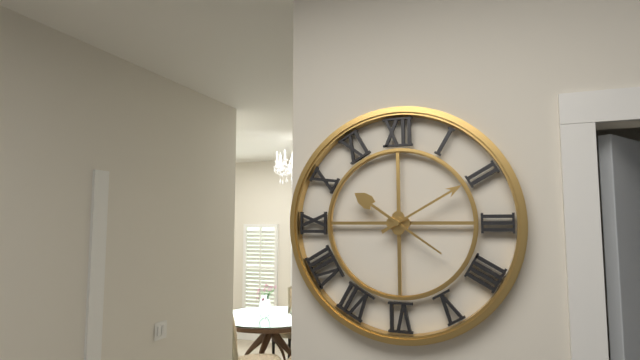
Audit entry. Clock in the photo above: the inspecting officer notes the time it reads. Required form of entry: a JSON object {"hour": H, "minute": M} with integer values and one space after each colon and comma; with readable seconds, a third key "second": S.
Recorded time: {"hour": 10, "minute": 10}
